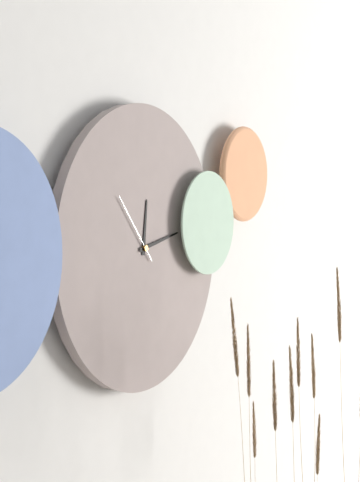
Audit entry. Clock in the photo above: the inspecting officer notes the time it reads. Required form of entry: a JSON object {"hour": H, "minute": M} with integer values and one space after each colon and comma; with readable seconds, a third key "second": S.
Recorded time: {"hour": 12, "minute": 13, "second": 53}
